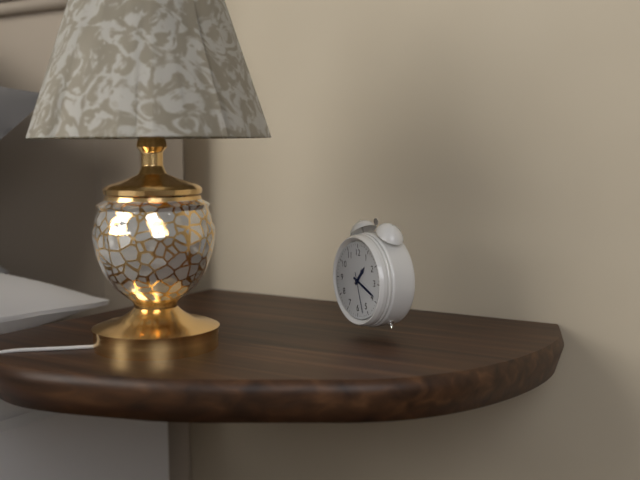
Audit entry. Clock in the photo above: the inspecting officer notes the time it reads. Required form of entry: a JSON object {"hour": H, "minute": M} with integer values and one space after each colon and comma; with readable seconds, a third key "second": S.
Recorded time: {"hour": 1, "minute": 19}
